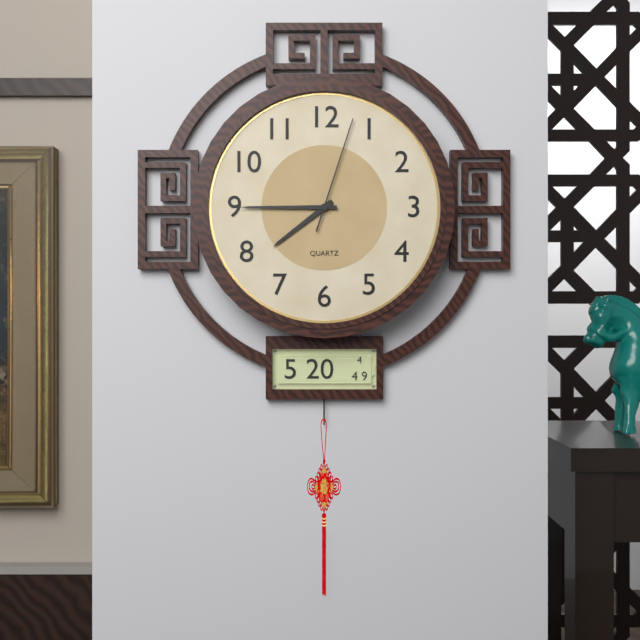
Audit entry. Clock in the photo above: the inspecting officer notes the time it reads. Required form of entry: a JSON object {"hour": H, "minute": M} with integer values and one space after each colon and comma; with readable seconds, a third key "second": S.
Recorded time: {"hour": 7, "minute": 45, "second": 3}
